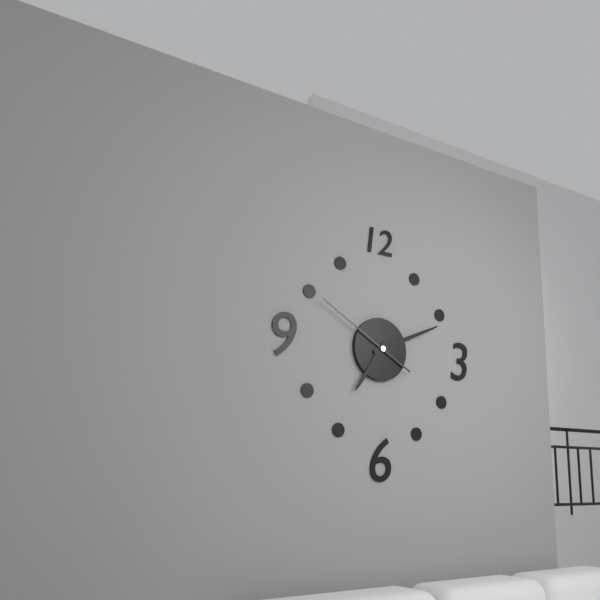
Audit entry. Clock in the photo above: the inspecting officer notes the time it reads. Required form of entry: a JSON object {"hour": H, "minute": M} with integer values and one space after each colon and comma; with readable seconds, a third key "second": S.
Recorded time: {"hour": 7, "minute": 11, "second": 50}
